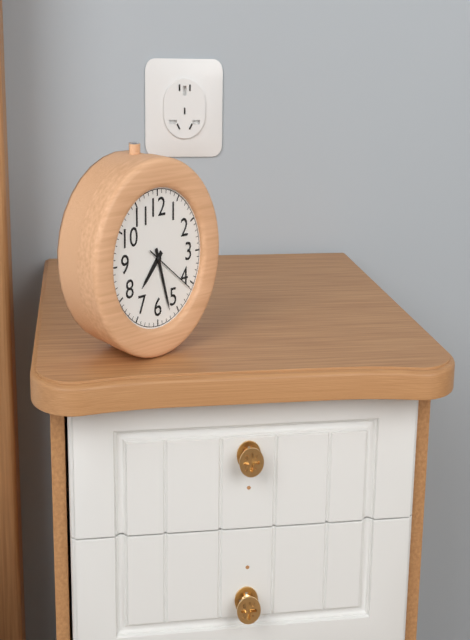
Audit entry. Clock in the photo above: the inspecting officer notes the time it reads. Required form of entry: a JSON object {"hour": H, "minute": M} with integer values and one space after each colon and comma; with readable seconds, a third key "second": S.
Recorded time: {"hour": 7, "minute": 27, "second": 21}
